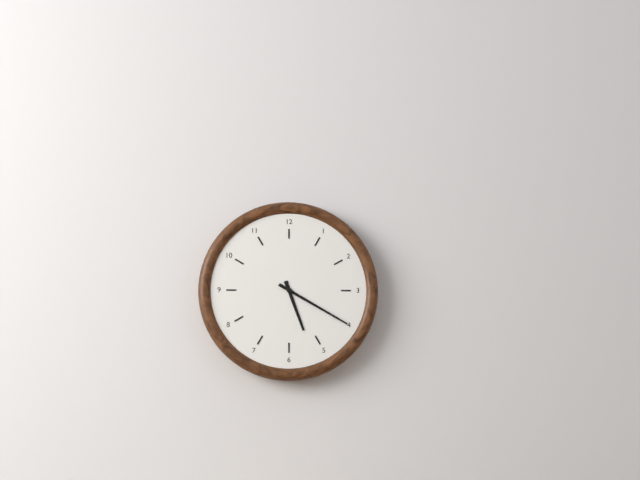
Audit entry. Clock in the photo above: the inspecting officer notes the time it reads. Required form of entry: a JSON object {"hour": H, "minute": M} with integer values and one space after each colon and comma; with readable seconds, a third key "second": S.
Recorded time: {"hour": 5, "minute": 20}
